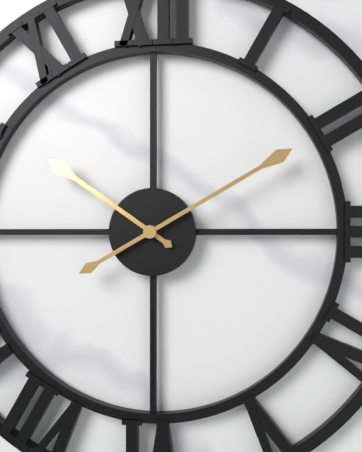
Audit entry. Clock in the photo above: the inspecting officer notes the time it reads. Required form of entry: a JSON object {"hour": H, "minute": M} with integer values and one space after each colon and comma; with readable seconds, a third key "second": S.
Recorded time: {"hour": 10, "minute": 10}
